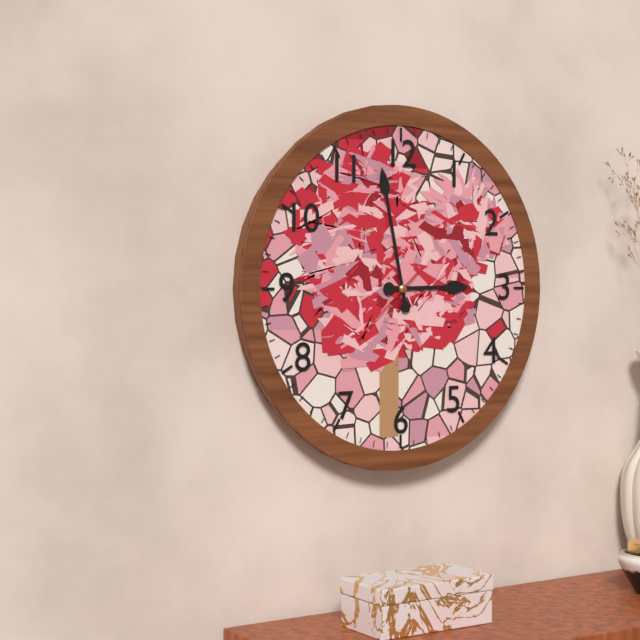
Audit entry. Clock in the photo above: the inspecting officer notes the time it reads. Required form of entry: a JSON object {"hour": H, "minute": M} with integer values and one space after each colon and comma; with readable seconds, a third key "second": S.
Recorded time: {"hour": 2, "minute": 58, "second": 38}
